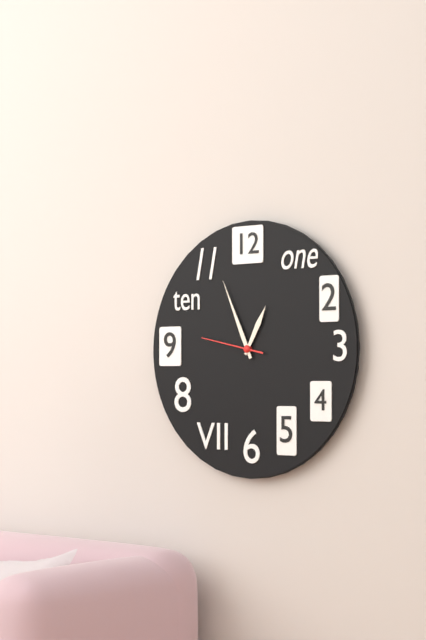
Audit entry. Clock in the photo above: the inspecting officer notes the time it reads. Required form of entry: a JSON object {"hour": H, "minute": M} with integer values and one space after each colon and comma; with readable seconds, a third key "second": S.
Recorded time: {"hour": 12, "minute": 56, "second": 47}
